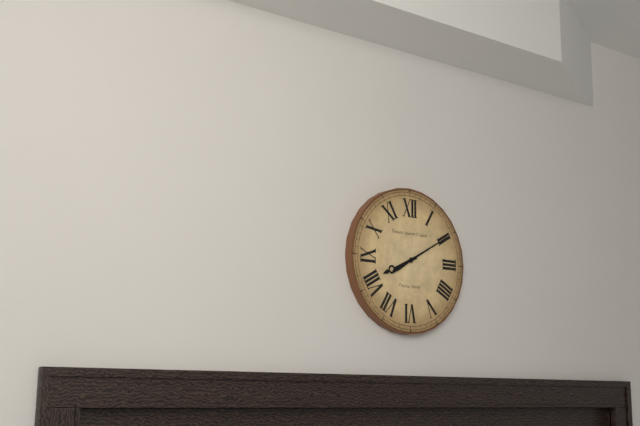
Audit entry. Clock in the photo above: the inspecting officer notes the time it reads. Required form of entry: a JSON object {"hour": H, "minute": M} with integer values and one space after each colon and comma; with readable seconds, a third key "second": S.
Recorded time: {"hour": 8, "minute": 10}
